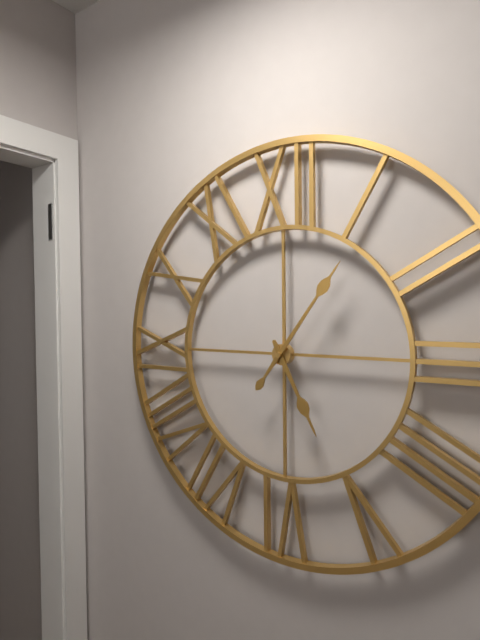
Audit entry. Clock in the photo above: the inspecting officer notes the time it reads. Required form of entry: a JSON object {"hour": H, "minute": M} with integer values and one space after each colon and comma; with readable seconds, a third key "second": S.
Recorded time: {"hour": 5, "minute": 6}
